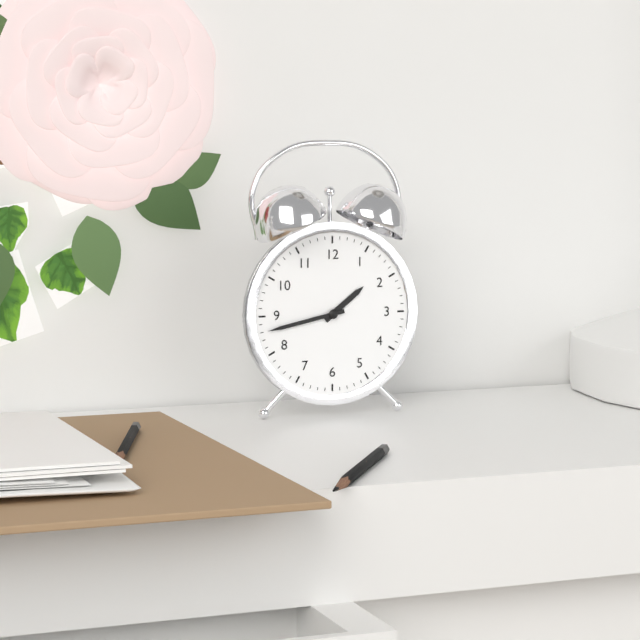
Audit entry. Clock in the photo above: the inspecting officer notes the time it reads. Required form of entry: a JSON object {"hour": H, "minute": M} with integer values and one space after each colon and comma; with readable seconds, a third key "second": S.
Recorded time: {"hour": 1, "minute": 43}
